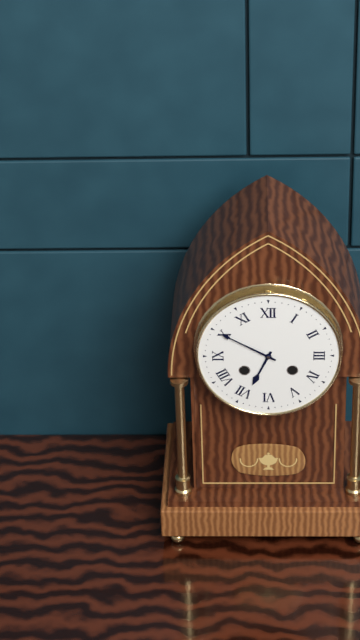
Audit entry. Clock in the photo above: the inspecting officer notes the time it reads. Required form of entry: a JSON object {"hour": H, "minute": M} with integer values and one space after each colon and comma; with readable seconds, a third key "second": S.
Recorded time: {"hour": 6, "minute": 50}
